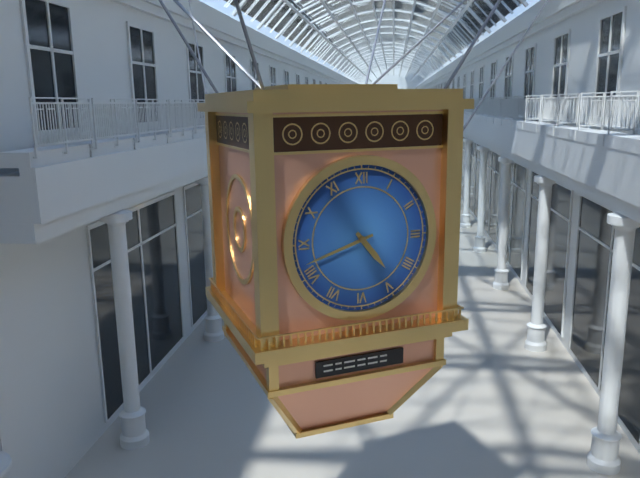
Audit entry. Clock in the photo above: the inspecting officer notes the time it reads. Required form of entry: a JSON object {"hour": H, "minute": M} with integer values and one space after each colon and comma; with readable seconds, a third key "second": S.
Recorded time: {"hour": 4, "minute": 42}
